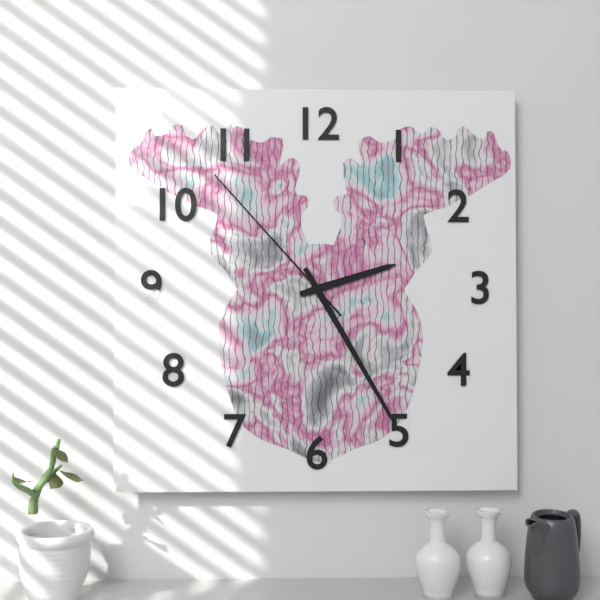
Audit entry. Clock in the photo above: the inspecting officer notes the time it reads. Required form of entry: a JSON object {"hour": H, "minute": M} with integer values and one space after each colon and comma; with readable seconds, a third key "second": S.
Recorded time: {"hour": 2, "minute": 25, "second": 53}
